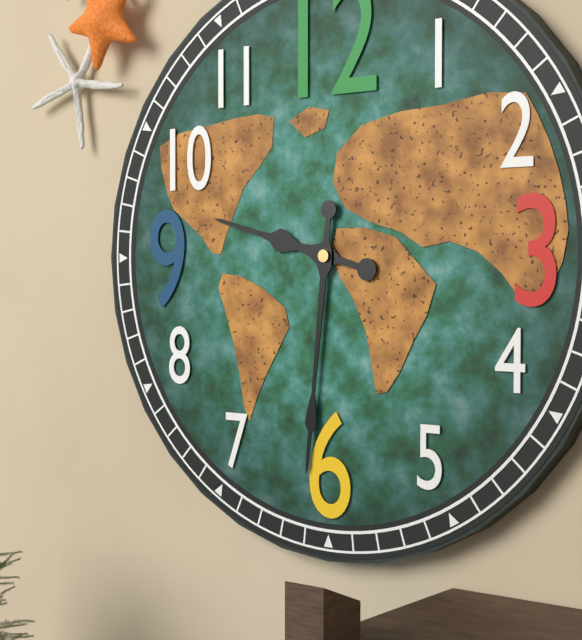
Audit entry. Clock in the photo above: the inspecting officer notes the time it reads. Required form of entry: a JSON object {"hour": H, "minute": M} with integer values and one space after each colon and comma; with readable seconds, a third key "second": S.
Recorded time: {"hour": 9, "minute": 31}
